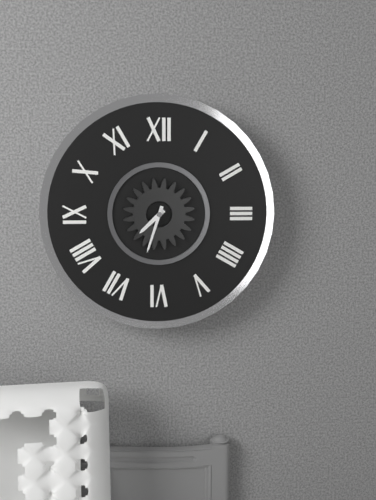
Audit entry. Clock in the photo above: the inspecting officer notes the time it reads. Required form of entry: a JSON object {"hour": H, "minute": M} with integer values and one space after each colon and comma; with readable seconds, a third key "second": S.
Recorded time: {"hour": 7, "minute": 33}
